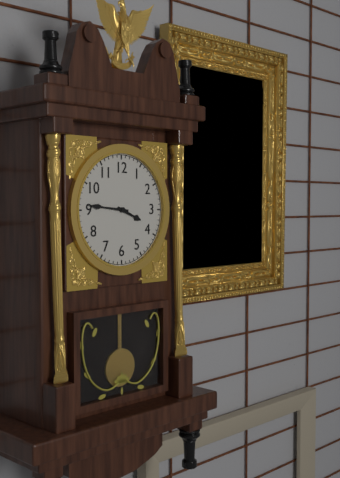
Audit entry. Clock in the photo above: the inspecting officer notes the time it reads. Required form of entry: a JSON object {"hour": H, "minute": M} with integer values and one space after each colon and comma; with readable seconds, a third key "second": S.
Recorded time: {"hour": 3, "minute": 46}
